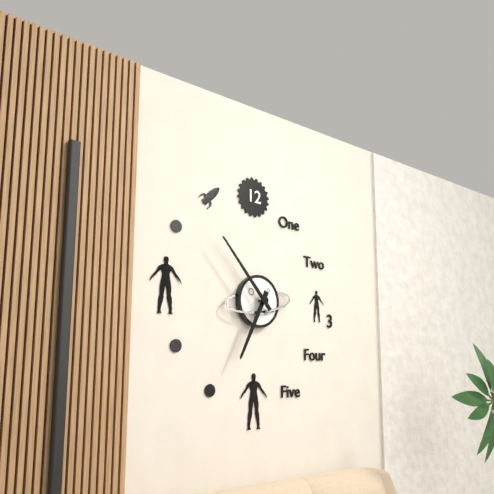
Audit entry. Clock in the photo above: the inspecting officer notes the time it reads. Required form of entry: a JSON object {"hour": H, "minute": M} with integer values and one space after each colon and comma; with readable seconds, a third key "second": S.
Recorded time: {"hour": 6, "minute": 53}
